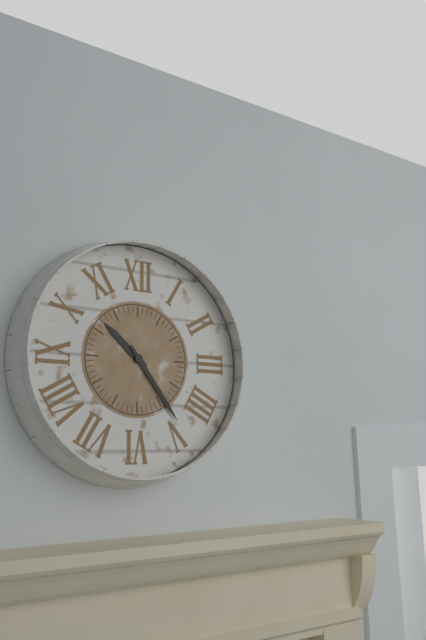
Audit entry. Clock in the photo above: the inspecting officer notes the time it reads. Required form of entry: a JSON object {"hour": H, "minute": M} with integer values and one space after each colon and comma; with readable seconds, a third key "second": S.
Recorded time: {"hour": 10, "minute": 24}
